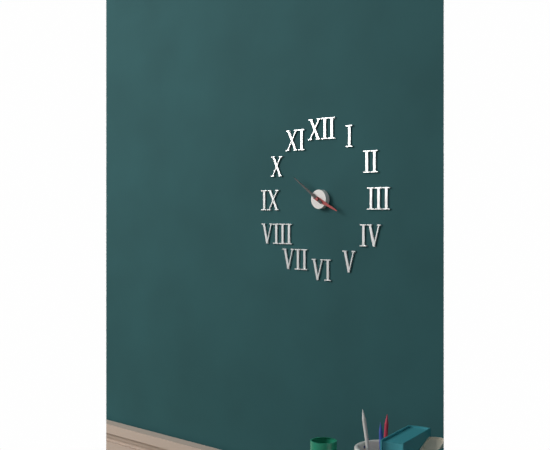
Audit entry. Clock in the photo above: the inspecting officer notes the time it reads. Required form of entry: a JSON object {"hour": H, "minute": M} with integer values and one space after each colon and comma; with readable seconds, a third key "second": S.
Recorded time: {"hour": 3, "minute": 51}
